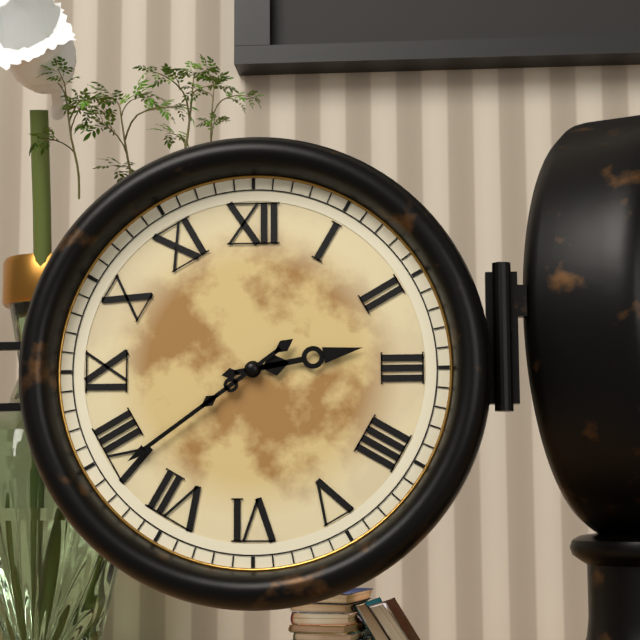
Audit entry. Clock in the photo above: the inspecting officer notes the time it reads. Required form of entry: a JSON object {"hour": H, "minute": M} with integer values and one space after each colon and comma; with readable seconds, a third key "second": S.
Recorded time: {"hour": 2, "minute": 39}
